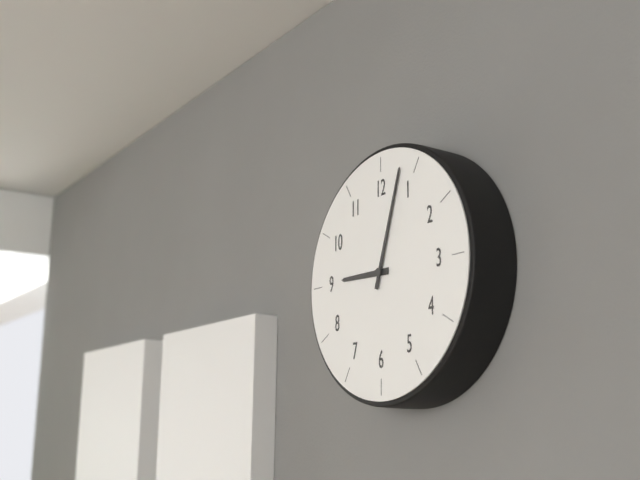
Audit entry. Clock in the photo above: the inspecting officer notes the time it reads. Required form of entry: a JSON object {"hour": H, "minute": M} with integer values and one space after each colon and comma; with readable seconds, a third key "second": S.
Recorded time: {"hour": 9, "minute": 3}
